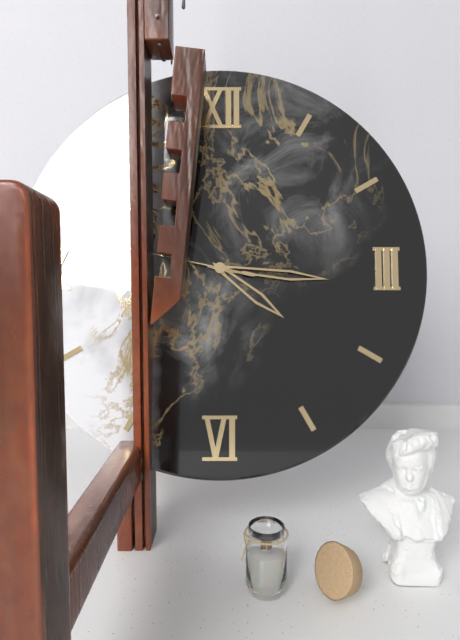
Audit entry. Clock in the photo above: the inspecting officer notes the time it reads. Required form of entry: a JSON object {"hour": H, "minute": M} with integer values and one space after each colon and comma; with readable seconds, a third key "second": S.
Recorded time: {"hour": 4, "minute": 16, "second": 47}
